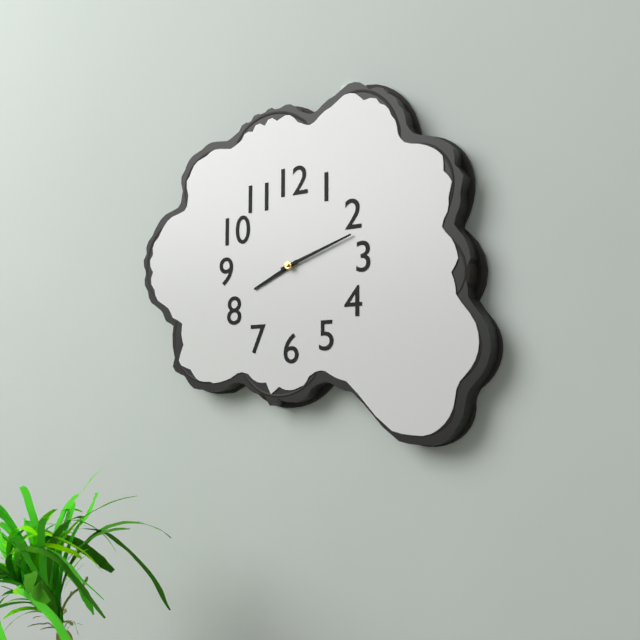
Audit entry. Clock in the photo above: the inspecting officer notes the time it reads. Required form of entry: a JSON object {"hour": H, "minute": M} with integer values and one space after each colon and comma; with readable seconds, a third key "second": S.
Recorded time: {"hour": 8, "minute": 12}
